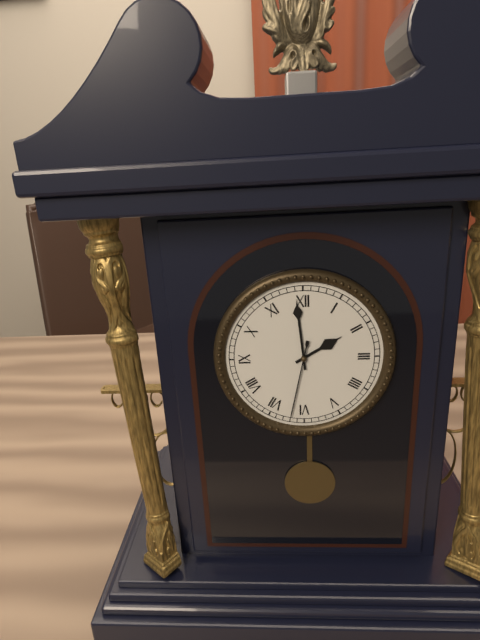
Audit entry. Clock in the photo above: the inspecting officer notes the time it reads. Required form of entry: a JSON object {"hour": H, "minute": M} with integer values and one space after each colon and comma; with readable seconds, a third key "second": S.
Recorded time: {"hour": 1, "minute": 59, "second": 32}
